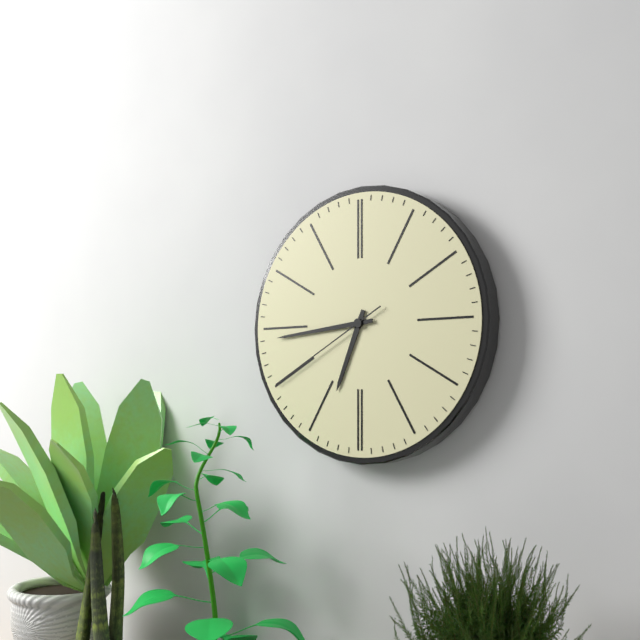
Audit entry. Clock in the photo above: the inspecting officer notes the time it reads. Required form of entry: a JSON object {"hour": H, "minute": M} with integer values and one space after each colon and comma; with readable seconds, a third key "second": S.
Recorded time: {"hour": 6, "minute": 44, "second": 40}
